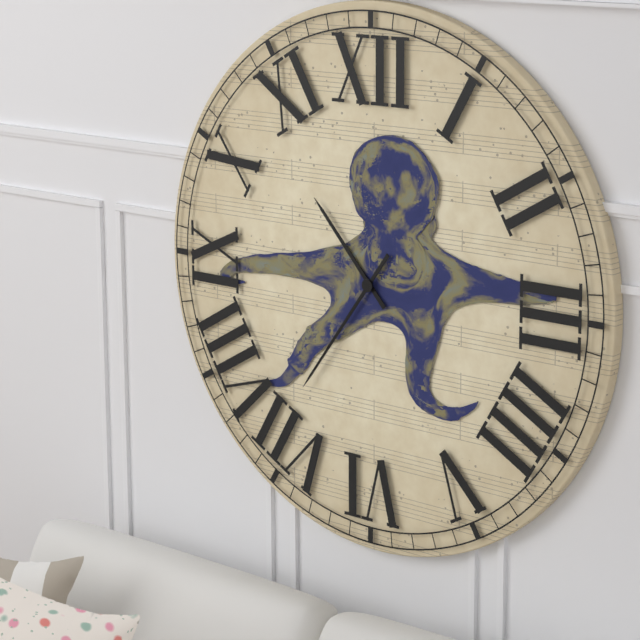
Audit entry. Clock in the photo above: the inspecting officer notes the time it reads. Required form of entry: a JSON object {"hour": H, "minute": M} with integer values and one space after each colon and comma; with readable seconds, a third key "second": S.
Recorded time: {"hour": 10, "minute": 36}
